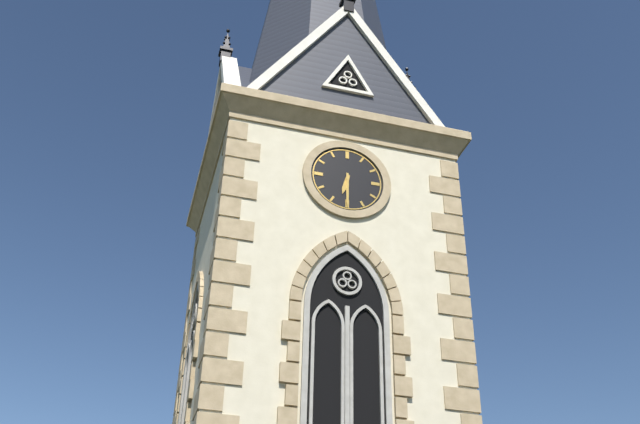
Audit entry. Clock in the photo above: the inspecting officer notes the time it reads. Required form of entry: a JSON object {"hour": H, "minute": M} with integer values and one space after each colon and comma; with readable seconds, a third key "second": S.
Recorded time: {"hour": 6, "minute": 30}
